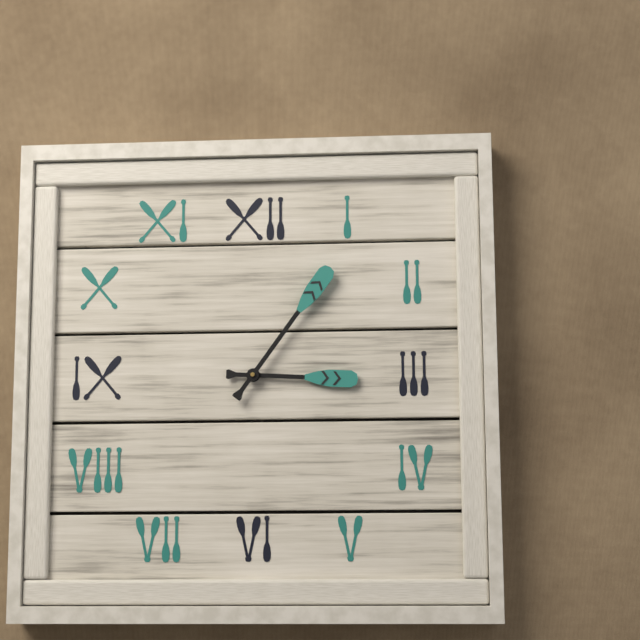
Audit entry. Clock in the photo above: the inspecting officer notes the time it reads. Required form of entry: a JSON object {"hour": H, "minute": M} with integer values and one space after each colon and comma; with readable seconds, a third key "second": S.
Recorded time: {"hour": 3, "minute": 6}
